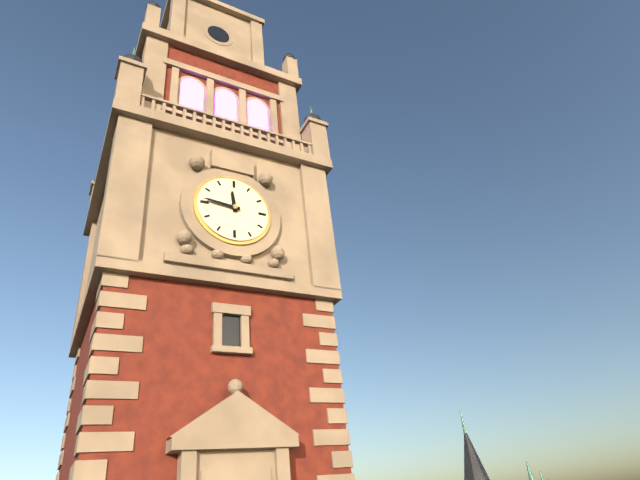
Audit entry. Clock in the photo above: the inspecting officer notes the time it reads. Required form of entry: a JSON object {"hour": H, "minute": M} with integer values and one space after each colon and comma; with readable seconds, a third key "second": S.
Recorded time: {"hour": 11, "minute": 46}
